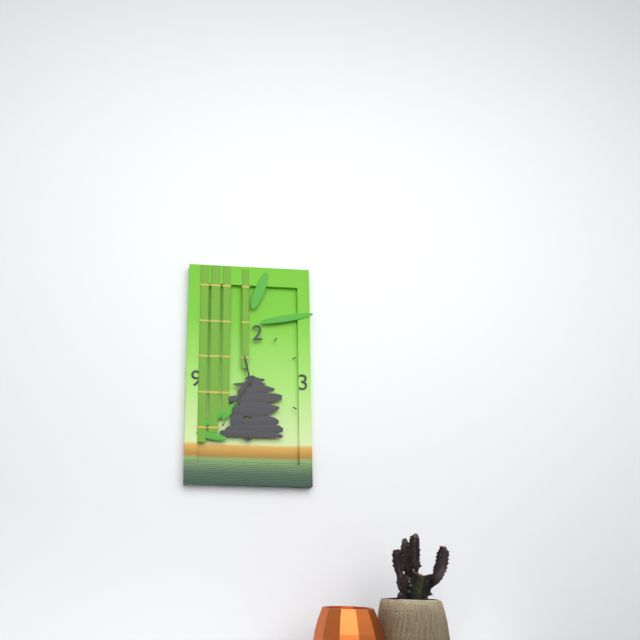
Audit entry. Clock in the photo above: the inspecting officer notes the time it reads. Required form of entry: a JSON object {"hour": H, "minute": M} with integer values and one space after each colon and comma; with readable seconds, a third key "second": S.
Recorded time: {"hour": 11, "minute": 35}
